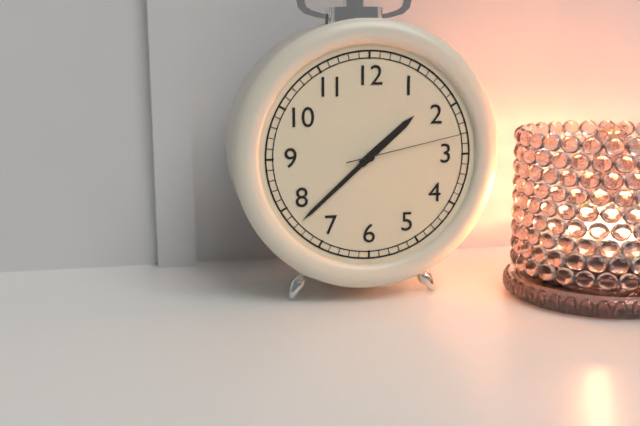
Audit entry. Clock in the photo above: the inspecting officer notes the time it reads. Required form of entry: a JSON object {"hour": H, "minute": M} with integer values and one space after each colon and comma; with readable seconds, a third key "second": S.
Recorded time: {"hour": 1, "minute": 38, "second": 13}
